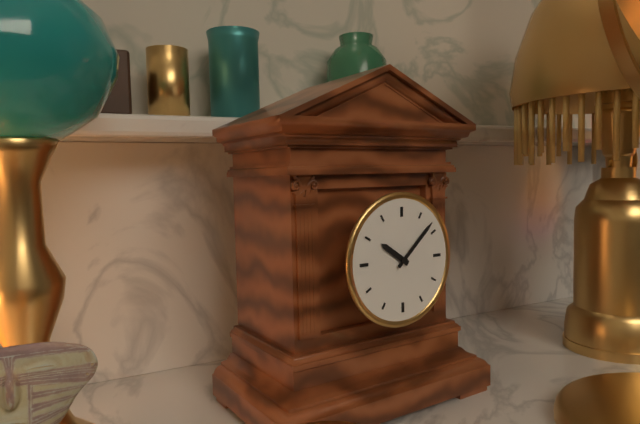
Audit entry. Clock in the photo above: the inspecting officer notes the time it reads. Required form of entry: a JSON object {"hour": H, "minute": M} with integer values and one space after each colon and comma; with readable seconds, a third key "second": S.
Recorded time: {"hour": 10, "minute": 8}
